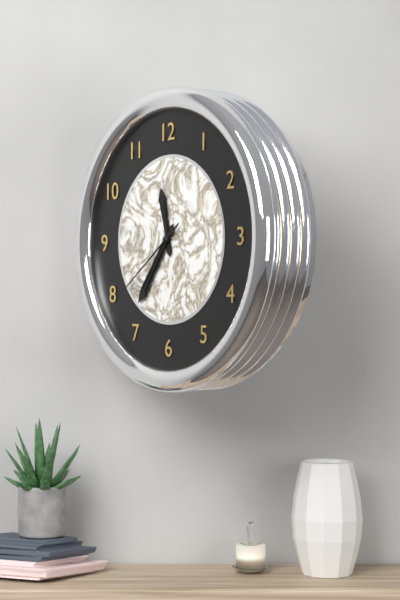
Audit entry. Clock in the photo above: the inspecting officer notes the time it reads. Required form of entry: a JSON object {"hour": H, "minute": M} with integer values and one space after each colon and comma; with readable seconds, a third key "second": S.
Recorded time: {"hour": 11, "minute": 36, "second": 39}
